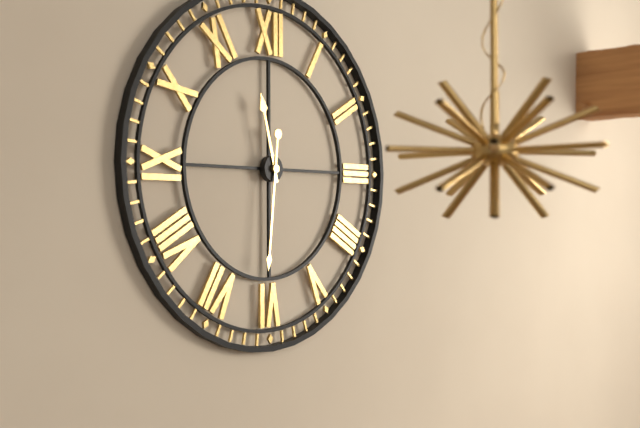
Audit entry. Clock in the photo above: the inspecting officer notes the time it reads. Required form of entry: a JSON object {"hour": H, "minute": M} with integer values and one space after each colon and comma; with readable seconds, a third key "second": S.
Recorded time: {"hour": 11, "minute": 31}
